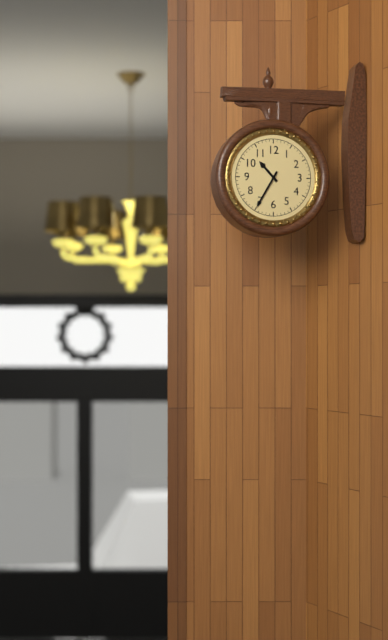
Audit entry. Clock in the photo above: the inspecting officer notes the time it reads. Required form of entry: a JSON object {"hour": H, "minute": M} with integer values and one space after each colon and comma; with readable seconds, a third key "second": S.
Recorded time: {"hour": 10, "minute": 35}
